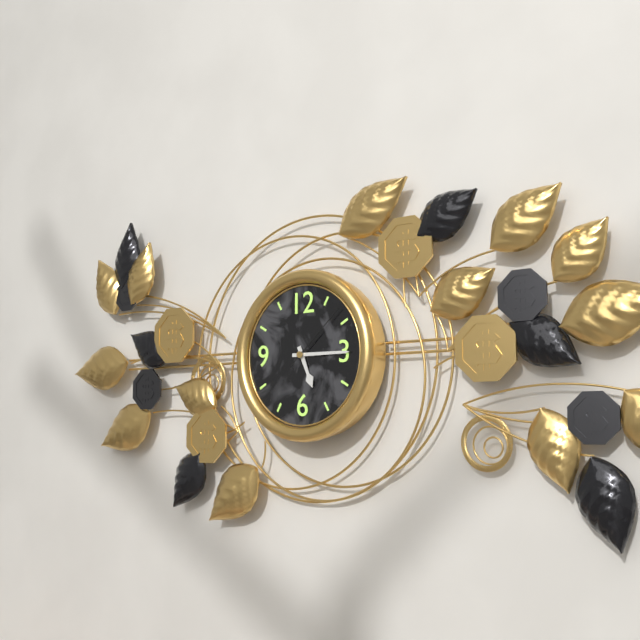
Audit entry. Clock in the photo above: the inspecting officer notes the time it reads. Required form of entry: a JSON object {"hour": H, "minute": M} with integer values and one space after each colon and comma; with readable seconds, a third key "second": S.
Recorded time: {"hour": 5, "minute": 15, "second": 8}
